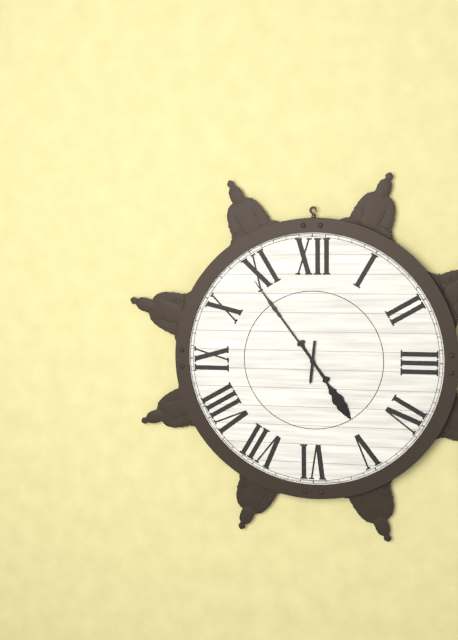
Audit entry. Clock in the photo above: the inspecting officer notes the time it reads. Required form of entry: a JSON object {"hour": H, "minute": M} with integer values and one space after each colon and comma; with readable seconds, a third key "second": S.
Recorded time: {"hour": 4, "minute": 54}
